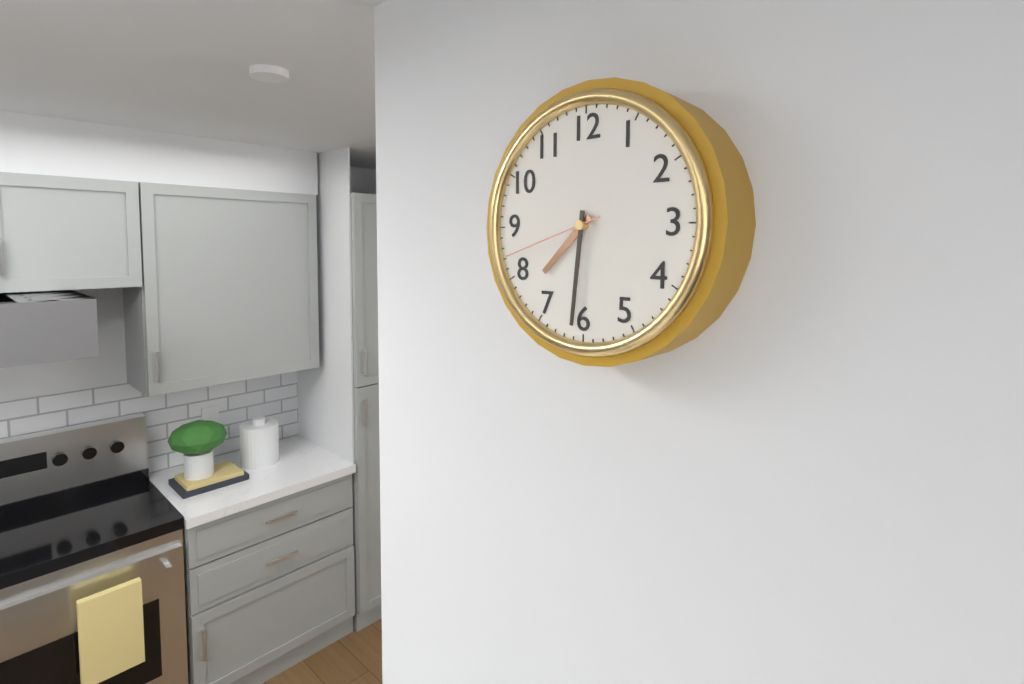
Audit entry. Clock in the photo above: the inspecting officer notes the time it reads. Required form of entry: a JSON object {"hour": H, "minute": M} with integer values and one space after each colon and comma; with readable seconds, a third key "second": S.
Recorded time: {"hour": 7, "minute": 31, "second": 42}
